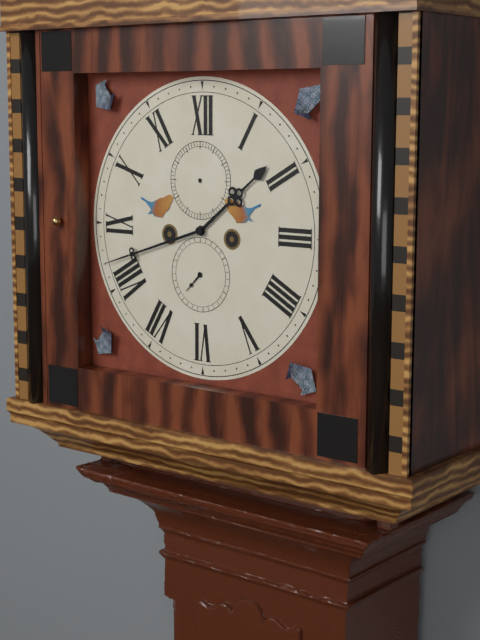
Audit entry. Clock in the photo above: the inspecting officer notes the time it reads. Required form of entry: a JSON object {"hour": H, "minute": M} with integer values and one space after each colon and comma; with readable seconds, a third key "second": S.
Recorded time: {"hour": 1, "minute": 42}
